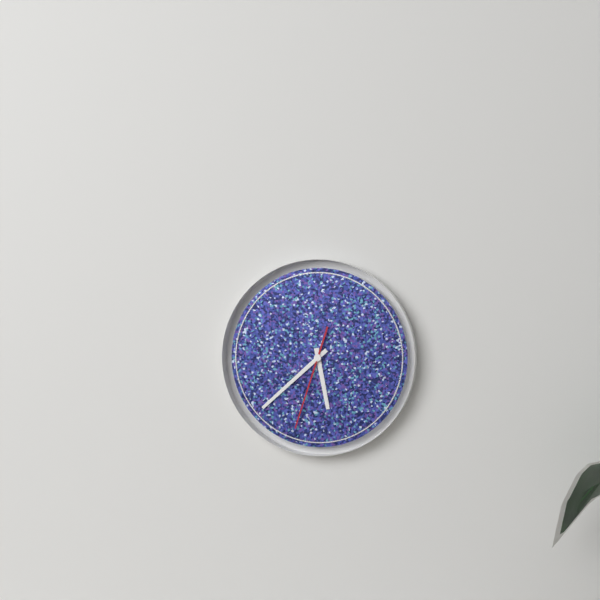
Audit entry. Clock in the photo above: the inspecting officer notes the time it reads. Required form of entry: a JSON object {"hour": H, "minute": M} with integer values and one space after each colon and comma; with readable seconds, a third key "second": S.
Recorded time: {"hour": 5, "minute": 38, "second": 33}
